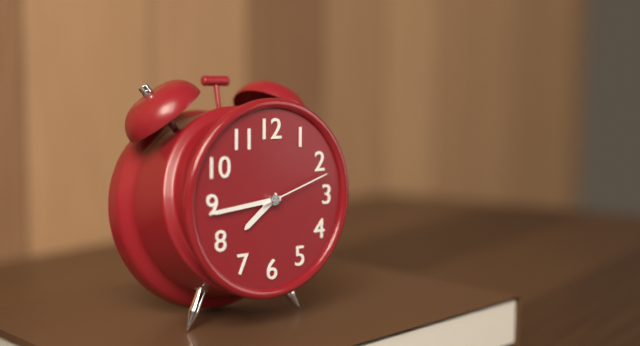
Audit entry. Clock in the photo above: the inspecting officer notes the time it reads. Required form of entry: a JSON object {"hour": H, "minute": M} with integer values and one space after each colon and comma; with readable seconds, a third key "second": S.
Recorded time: {"hour": 7, "minute": 44, "second": 12}
